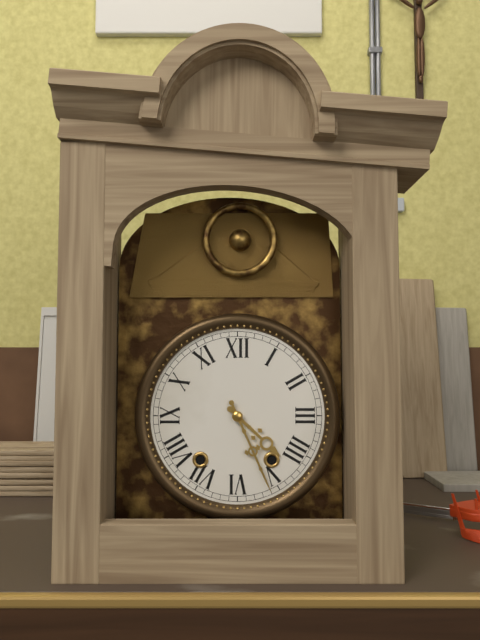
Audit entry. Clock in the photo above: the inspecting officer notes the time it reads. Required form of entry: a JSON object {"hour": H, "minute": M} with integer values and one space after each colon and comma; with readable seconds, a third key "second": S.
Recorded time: {"hour": 4, "minute": 26}
